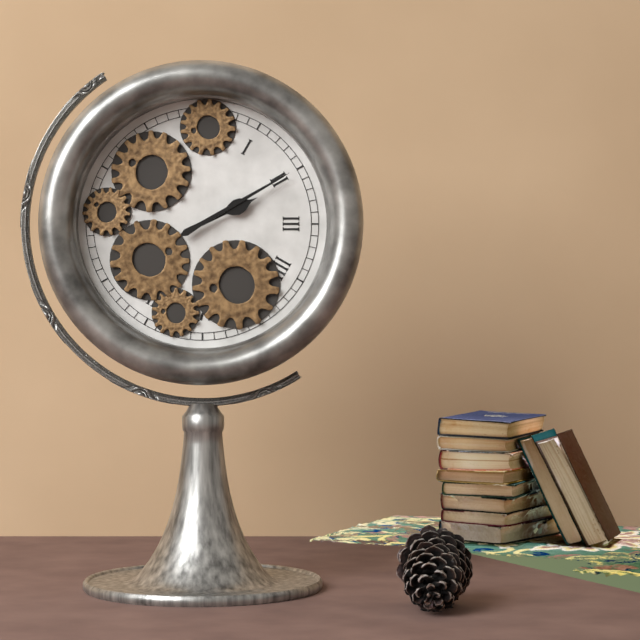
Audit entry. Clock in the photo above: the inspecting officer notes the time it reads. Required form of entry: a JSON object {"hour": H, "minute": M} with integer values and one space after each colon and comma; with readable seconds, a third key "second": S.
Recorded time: {"hour": 2, "minute": 10}
